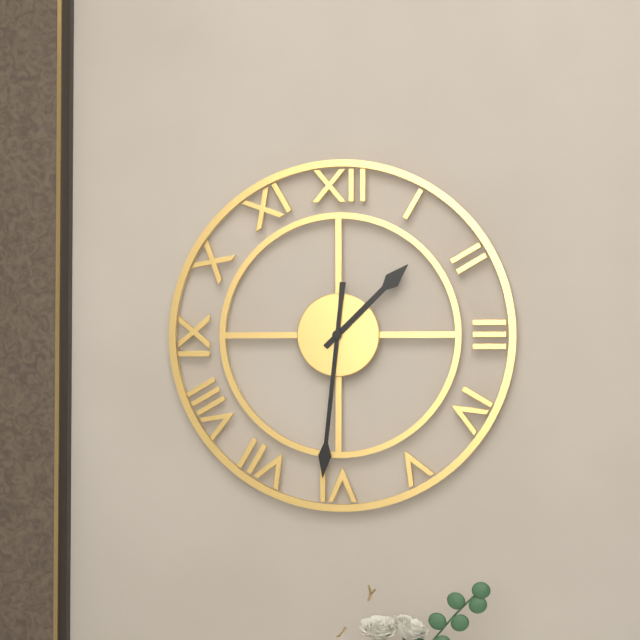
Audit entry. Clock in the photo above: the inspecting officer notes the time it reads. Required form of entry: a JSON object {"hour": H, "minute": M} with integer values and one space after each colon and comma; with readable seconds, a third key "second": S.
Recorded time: {"hour": 1, "minute": 31}
